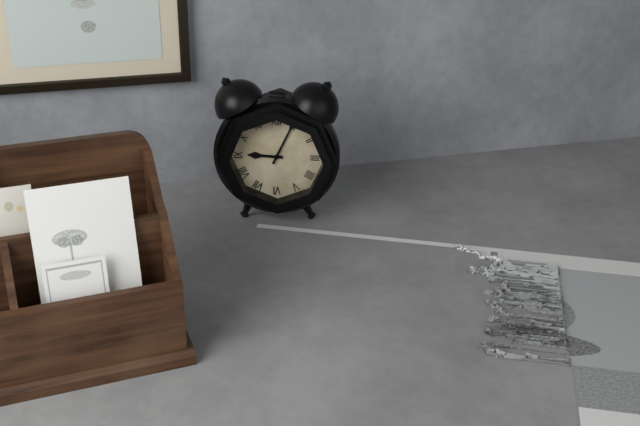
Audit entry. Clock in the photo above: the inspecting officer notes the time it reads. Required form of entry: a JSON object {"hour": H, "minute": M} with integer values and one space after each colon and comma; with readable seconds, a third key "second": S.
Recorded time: {"hour": 9, "minute": 4}
